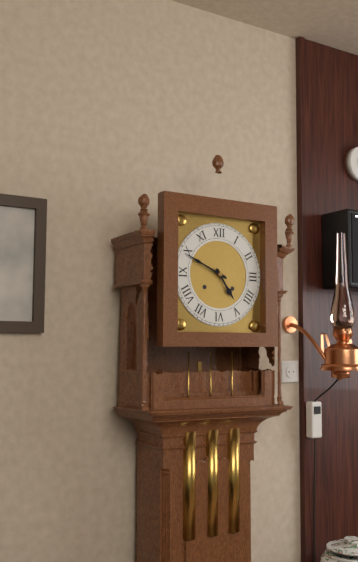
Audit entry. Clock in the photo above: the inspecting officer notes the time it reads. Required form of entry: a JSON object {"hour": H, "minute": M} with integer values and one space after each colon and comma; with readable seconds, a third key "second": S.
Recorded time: {"hour": 4, "minute": 49}
